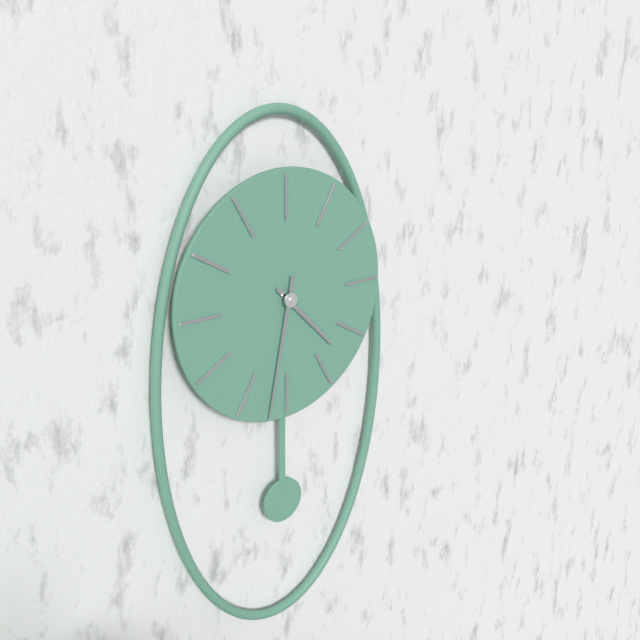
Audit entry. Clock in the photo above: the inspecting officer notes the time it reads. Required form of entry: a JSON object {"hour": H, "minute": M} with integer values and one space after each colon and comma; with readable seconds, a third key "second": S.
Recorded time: {"hour": 4, "minute": 32}
